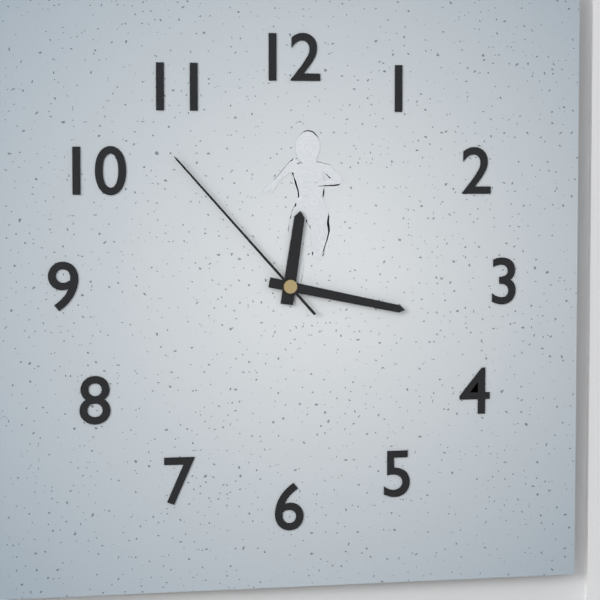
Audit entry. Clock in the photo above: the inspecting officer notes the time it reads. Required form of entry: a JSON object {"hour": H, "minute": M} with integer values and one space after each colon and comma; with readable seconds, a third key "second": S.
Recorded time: {"hour": 12, "minute": 17, "second": 53}
